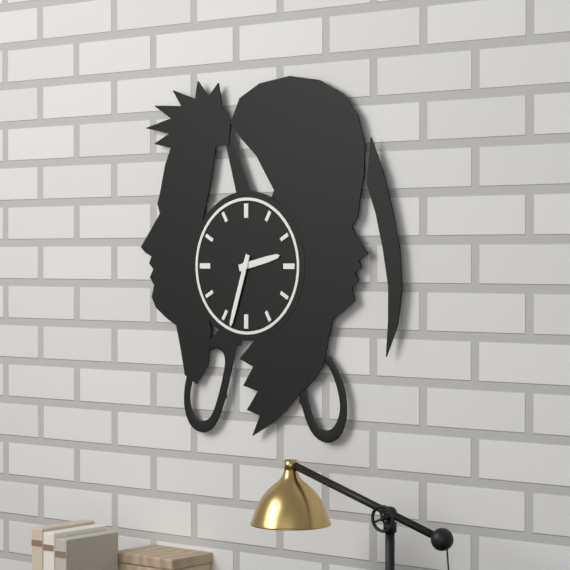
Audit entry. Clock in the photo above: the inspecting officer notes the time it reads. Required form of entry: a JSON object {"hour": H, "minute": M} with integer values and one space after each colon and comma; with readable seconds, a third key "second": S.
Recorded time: {"hour": 2, "minute": 33}
